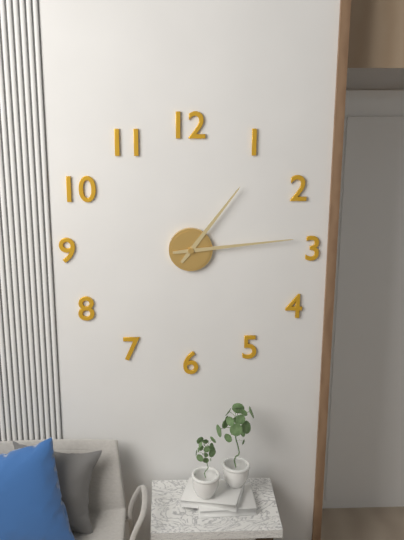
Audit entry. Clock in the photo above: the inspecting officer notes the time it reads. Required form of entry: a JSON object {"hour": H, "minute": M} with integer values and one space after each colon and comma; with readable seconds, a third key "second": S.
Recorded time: {"hour": 1, "minute": 14}
